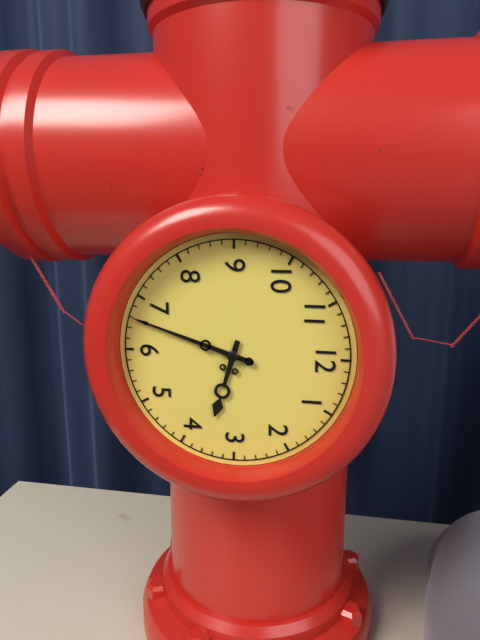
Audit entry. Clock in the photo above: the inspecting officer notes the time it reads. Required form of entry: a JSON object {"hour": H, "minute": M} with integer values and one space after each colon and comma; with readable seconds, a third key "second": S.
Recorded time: {"hour": 3, "minute": 33}
